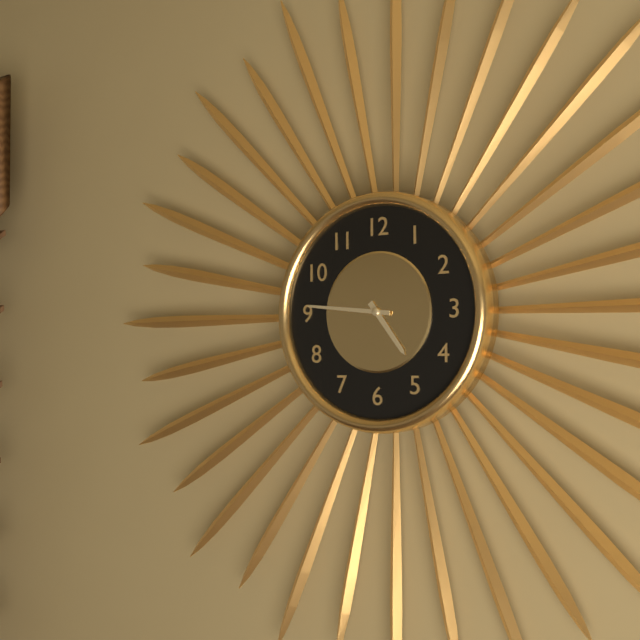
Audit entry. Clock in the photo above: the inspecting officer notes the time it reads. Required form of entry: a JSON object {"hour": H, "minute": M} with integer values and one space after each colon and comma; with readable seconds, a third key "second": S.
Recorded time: {"hour": 4, "minute": 46}
